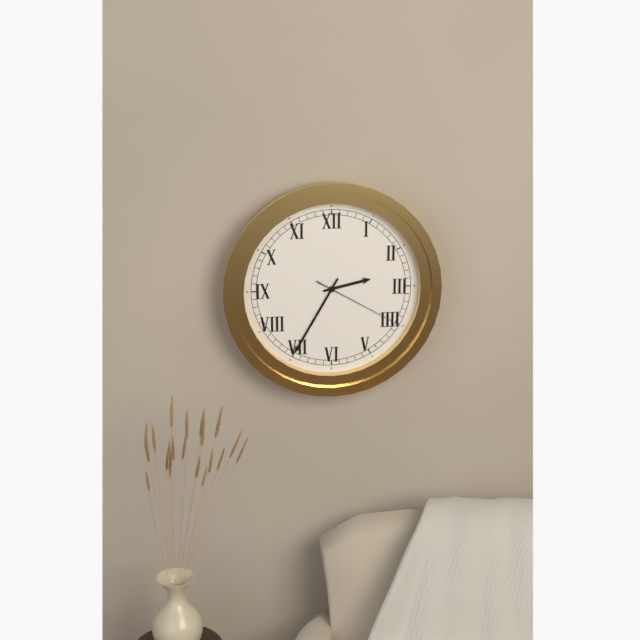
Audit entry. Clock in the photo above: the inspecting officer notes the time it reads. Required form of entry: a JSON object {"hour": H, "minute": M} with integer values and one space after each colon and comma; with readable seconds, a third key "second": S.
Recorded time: {"hour": 2, "minute": 35, "second": 20}
